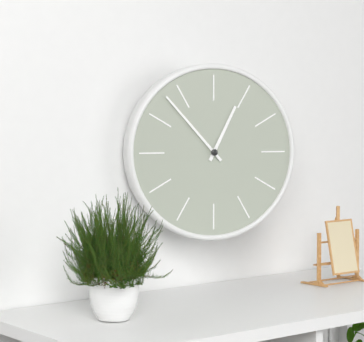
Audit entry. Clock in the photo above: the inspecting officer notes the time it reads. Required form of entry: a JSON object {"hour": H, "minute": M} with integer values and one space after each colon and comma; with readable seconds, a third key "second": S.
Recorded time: {"hour": 12, "minute": 53}
